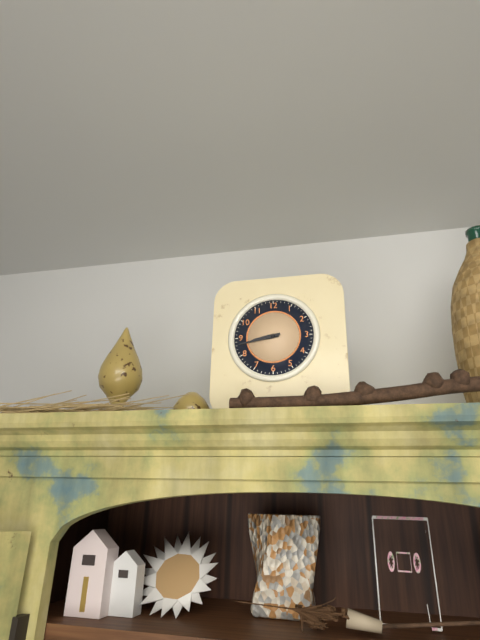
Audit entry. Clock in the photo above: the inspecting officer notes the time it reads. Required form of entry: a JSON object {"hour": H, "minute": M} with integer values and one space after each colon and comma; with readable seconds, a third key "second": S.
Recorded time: {"hour": 8, "minute": 43}
